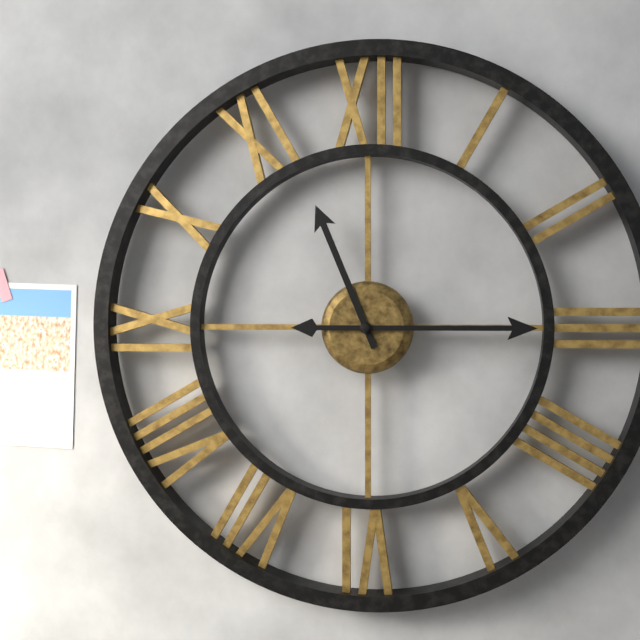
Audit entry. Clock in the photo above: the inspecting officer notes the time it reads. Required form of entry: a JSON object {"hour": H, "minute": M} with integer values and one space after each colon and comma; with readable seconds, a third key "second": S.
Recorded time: {"hour": 11, "minute": 15}
